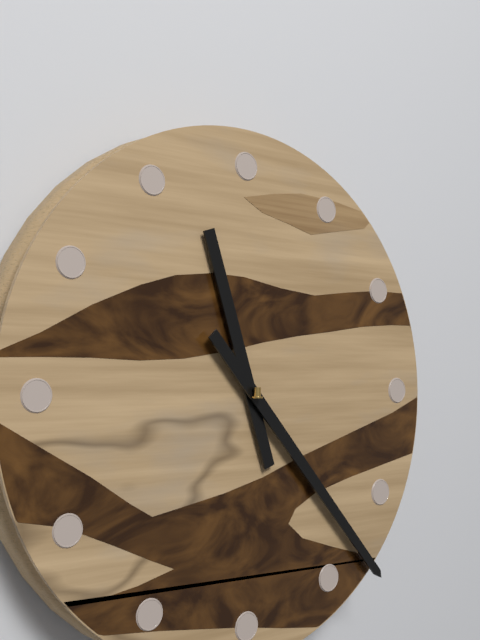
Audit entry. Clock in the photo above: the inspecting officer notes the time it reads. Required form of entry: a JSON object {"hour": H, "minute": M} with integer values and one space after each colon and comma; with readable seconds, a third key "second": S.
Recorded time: {"hour": 11, "minute": 23}
